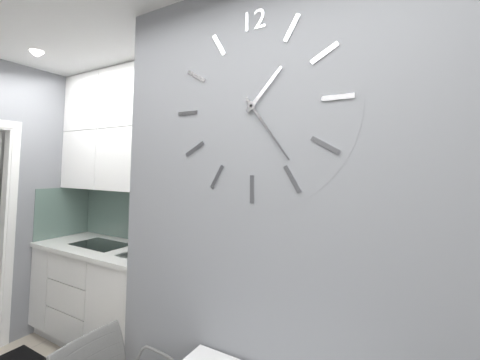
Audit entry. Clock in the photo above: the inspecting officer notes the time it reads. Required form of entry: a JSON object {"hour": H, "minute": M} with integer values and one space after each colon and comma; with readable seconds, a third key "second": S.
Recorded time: {"hour": 1, "minute": 24}
